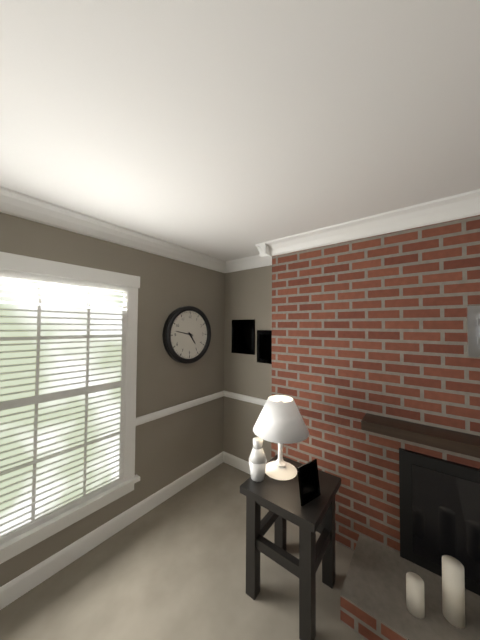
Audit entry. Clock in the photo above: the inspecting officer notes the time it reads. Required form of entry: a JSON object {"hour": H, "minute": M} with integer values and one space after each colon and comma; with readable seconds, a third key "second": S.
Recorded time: {"hour": 4, "minute": 47}
